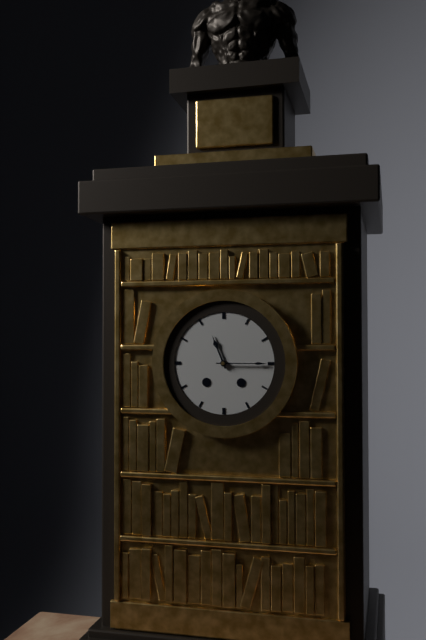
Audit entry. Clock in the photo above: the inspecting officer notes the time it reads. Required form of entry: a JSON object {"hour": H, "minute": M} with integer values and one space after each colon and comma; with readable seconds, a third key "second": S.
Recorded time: {"hour": 11, "minute": 15}
